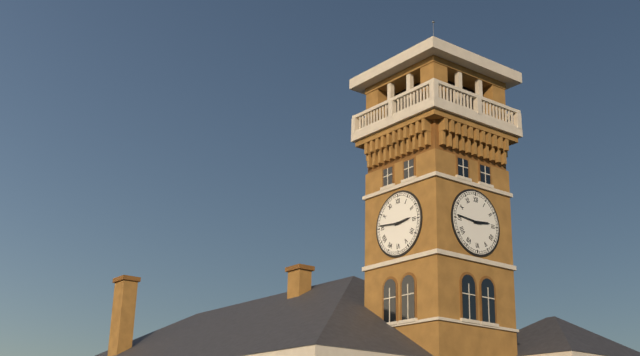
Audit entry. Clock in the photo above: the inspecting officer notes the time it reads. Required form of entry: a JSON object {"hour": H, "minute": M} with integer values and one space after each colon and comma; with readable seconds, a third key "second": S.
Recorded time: {"hour": 2, "minute": 46}
